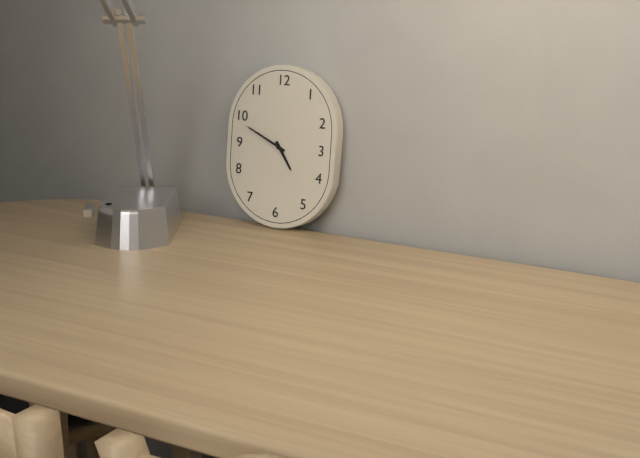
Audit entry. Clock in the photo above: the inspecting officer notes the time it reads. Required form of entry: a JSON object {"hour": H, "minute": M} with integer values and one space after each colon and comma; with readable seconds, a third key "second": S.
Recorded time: {"hour": 4, "minute": 49}
